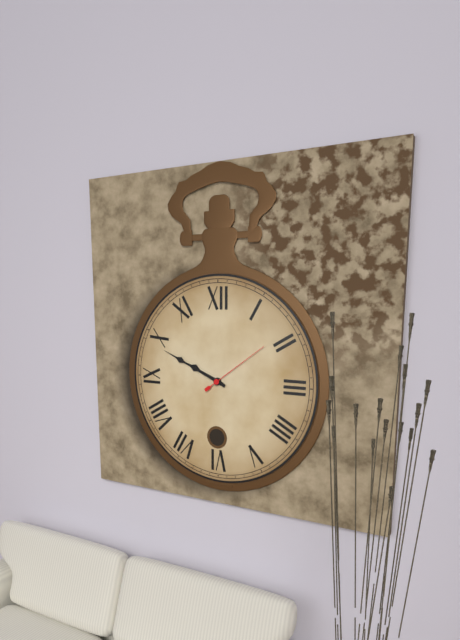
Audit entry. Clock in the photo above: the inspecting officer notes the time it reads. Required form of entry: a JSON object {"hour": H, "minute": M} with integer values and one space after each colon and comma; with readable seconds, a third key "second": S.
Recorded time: {"hour": 9, "minute": 49, "second": 9}
